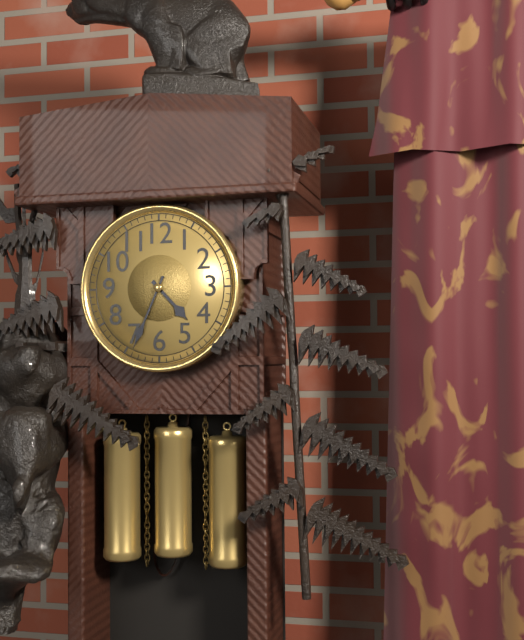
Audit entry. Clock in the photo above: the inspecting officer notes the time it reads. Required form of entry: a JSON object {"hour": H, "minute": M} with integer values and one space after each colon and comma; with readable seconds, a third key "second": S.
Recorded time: {"hour": 4, "minute": 34}
